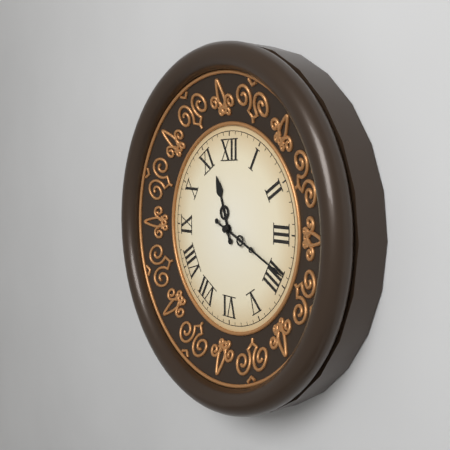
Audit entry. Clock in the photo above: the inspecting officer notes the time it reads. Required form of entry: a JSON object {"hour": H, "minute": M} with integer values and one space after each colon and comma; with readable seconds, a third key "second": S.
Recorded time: {"hour": 11, "minute": 19}
